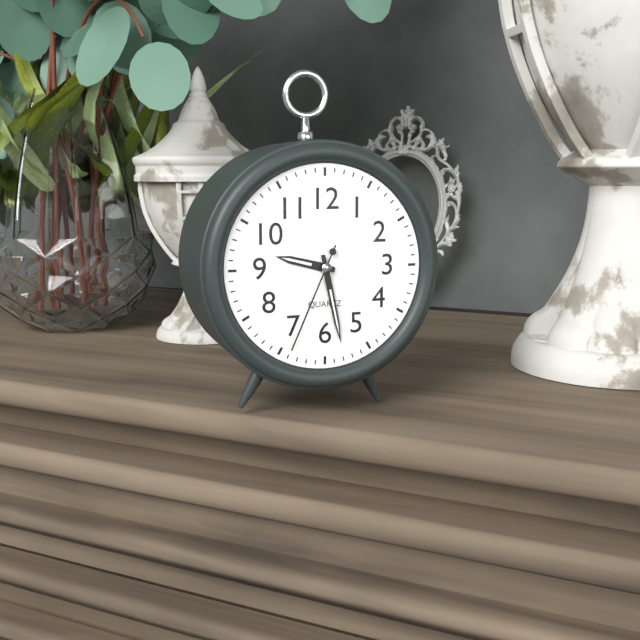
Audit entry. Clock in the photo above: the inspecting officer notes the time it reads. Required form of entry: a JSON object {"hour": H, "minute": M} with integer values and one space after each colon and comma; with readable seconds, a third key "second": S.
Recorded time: {"hour": 9, "minute": 28, "second": 34}
